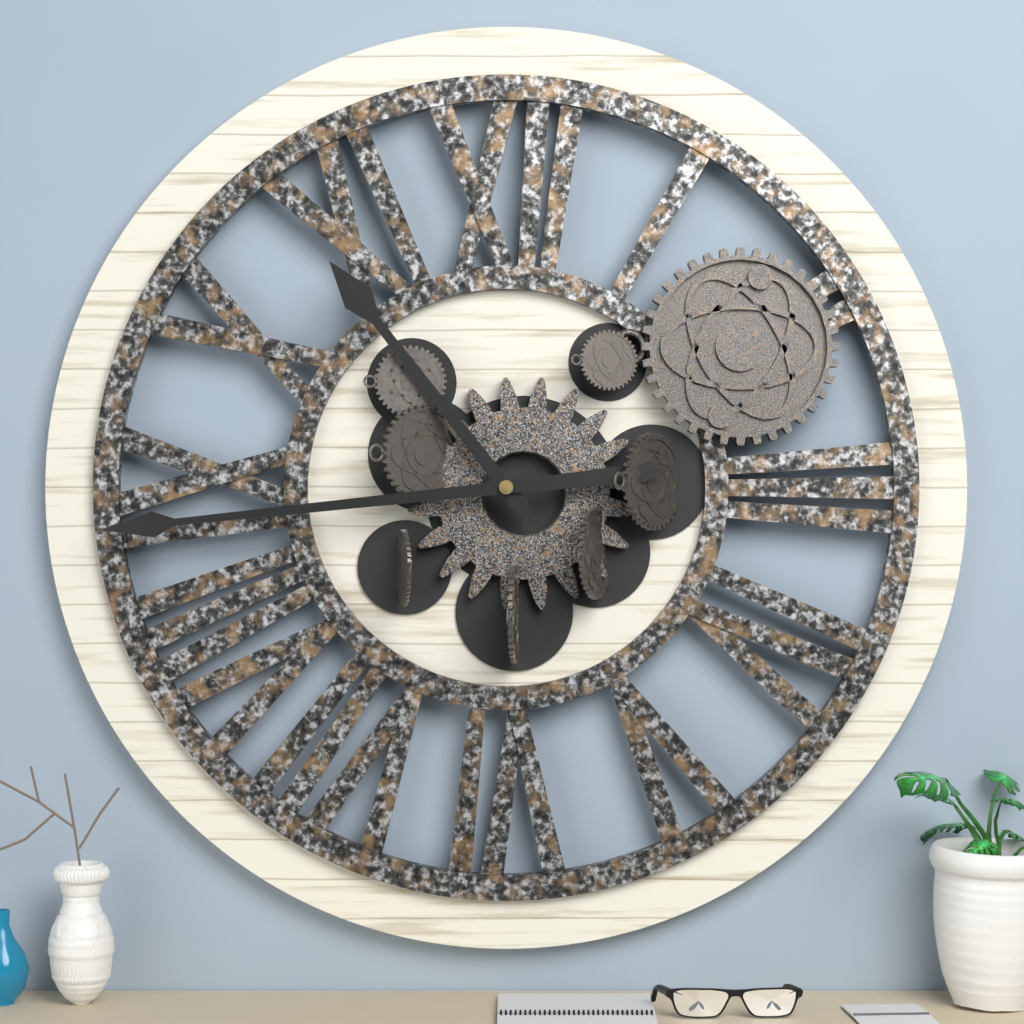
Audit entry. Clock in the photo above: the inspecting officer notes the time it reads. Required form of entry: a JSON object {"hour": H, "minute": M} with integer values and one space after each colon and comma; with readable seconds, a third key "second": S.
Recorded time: {"hour": 10, "minute": 44}
